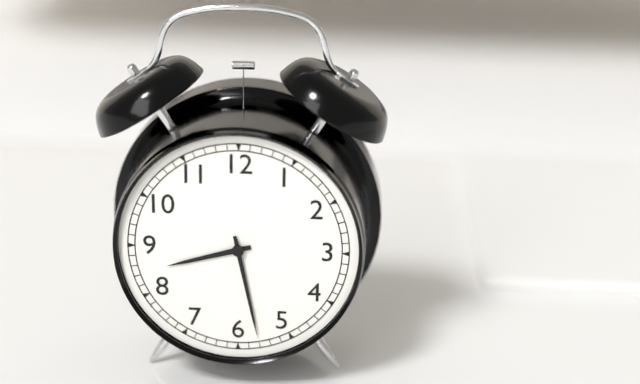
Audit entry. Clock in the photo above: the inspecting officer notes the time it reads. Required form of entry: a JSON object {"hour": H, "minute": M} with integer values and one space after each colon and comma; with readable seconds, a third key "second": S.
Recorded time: {"hour": 8, "minute": 28}
